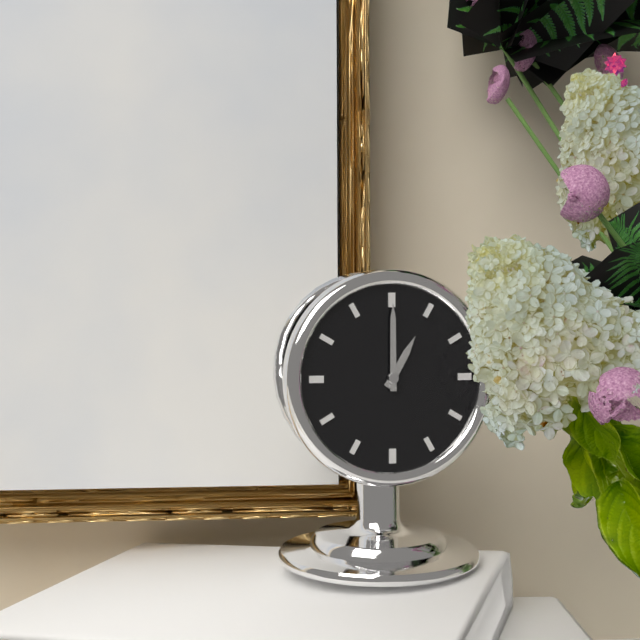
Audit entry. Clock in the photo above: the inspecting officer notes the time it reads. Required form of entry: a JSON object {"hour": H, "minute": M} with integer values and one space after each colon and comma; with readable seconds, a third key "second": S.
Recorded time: {"hour": 1, "minute": 0}
